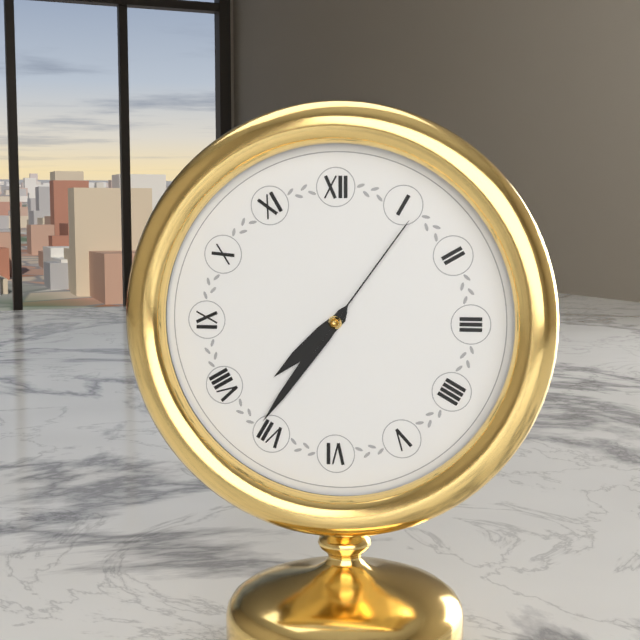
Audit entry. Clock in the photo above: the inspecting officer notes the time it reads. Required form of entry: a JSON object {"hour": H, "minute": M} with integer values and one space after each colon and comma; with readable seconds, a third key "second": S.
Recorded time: {"hour": 7, "minute": 36, "second": 6}
